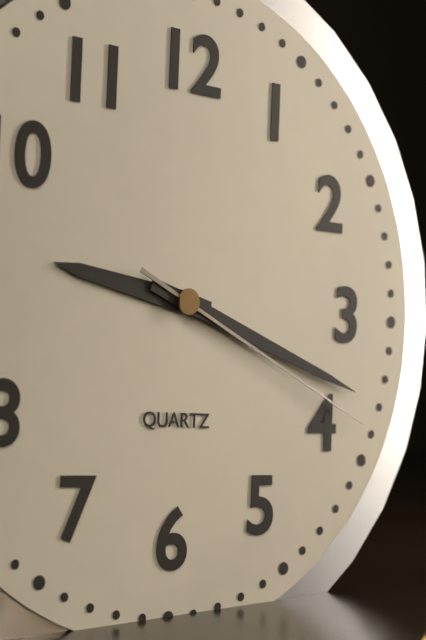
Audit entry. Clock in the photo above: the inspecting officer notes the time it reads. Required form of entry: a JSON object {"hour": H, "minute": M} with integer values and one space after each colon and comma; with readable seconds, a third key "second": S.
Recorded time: {"hour": 9, "minute": 18, "second": 19}
